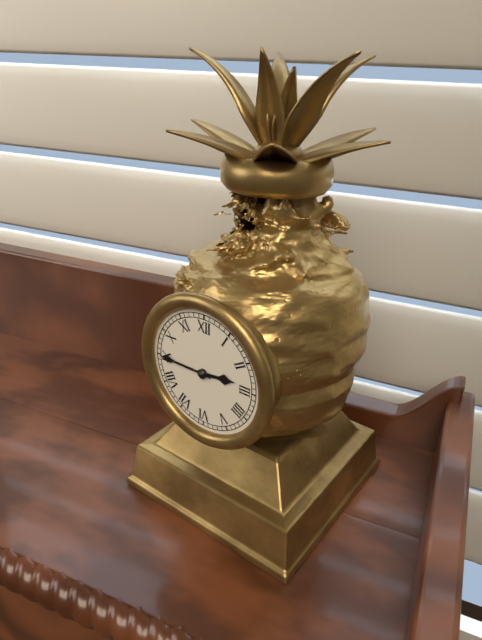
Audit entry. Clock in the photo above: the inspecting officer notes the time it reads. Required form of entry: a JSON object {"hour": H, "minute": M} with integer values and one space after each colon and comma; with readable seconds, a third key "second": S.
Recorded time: {"hour": 2, "minute": 45}
